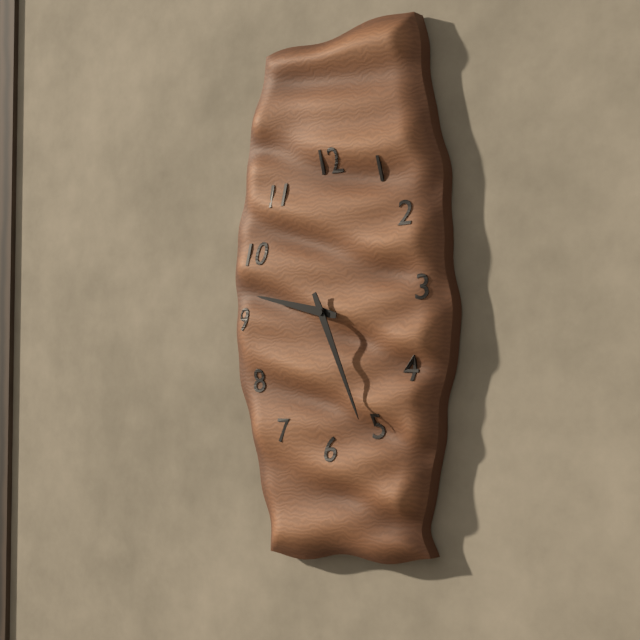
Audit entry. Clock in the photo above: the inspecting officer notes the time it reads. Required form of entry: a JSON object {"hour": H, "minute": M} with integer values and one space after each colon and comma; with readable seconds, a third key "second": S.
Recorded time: {"hour": 9, "minute": 26}
